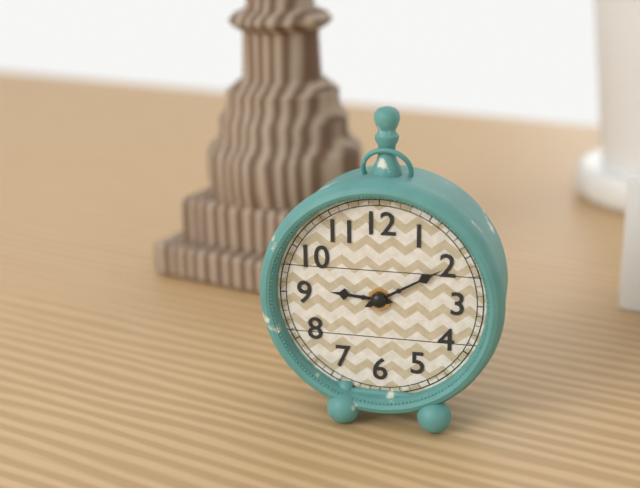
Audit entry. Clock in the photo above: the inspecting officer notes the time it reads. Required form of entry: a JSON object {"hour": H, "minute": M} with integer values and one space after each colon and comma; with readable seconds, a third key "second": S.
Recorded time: {"hour": 9, "minute": 10}
